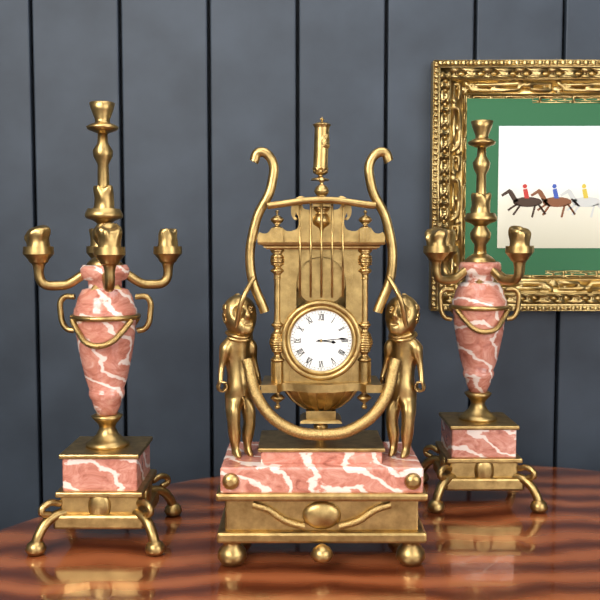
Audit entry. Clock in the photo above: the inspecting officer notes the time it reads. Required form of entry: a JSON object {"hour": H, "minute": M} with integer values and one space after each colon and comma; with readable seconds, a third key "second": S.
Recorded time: {"hour": 3, "minute": 14}
